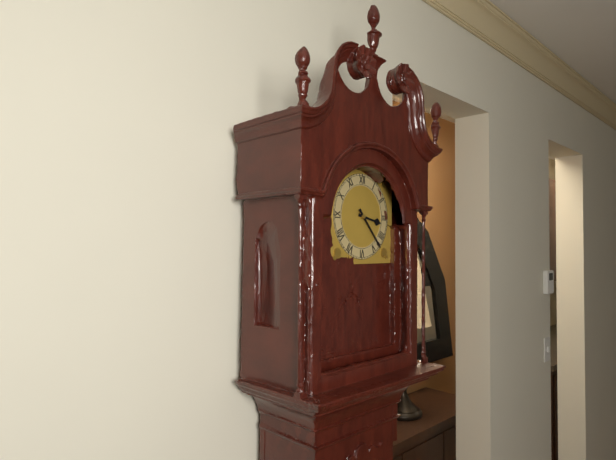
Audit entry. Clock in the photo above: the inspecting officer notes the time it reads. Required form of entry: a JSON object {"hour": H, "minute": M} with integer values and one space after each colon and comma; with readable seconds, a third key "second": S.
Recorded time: {"hour": 3, "minute": 23}
